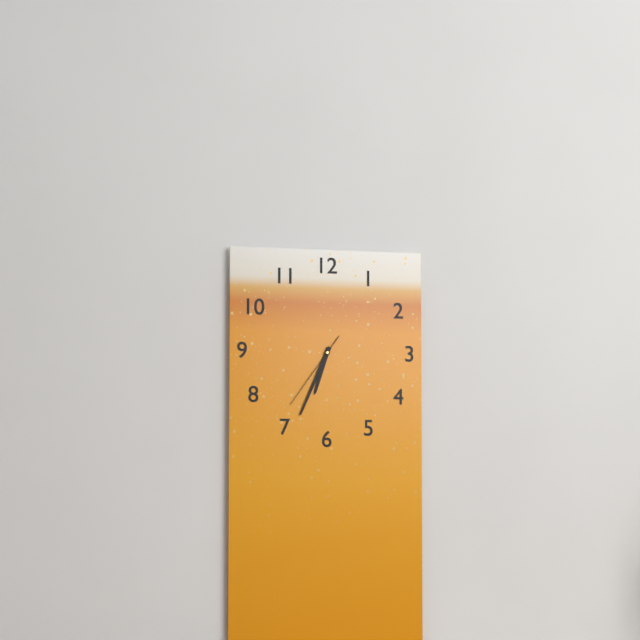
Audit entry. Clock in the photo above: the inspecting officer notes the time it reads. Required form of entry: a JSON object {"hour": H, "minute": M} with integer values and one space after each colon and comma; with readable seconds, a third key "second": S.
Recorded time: {"hour": 6, "minute": 34, "second": 36}
